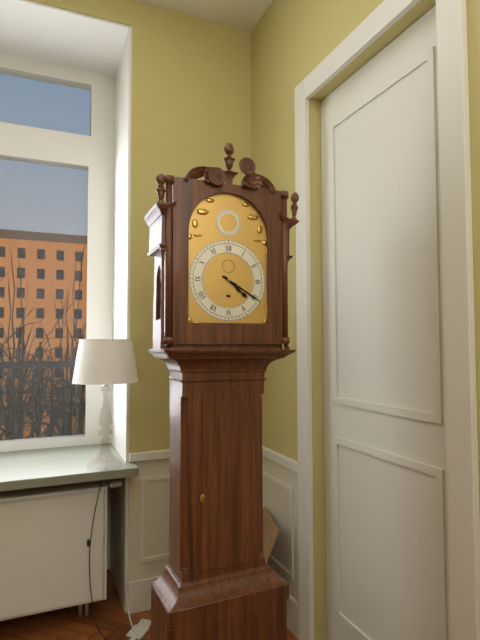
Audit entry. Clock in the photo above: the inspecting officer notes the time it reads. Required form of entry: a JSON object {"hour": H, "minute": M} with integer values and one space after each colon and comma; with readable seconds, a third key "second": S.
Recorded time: {"hour": 4, "minute": 20}
